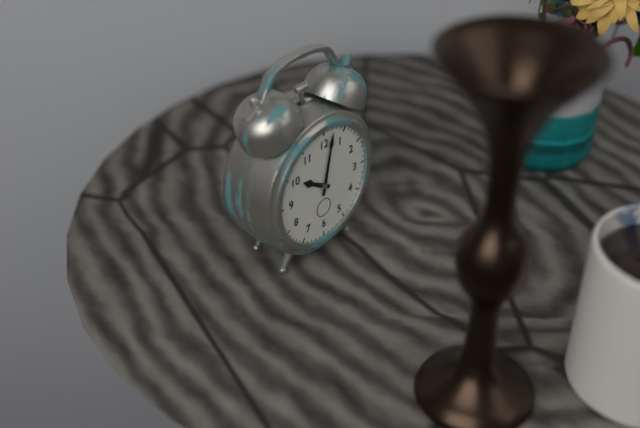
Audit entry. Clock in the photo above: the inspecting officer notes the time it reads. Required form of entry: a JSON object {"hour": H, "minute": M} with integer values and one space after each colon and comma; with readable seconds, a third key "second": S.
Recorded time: {"hour": 10, "minute": 2}
